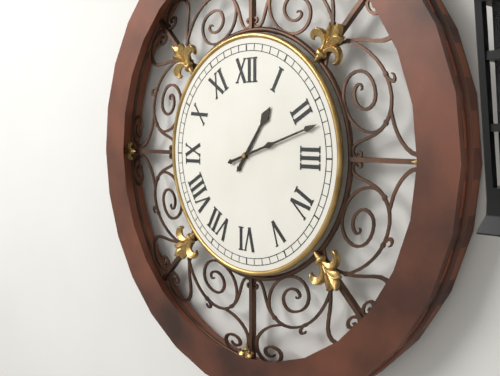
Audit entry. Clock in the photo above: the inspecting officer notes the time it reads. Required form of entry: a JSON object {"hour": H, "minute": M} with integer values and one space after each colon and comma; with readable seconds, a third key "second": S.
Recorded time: {"hour": 1, "minute": 12}
